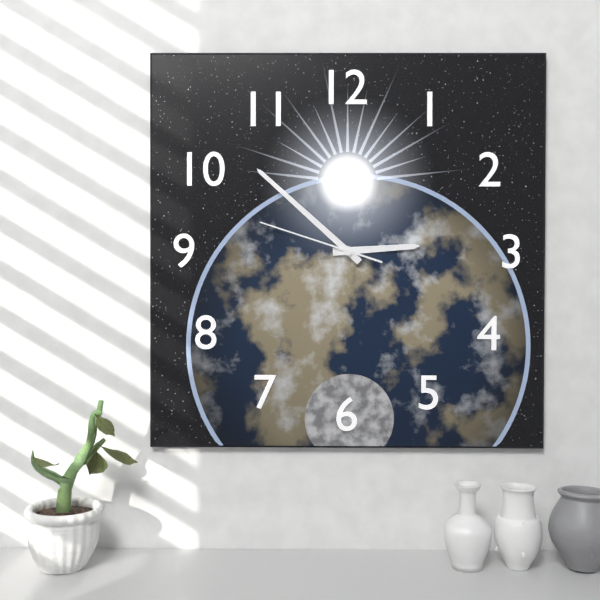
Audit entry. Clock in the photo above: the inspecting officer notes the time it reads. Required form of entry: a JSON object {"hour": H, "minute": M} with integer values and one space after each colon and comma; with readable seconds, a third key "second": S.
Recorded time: {"hour": 2, "minute": 52, "second": 48}
